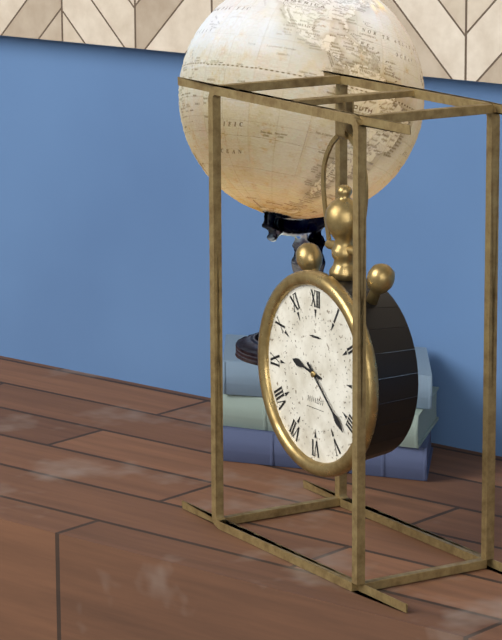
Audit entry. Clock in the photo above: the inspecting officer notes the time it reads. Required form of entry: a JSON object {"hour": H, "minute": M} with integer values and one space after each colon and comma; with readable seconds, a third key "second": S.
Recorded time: {"hour": 9, "minute": 22}
